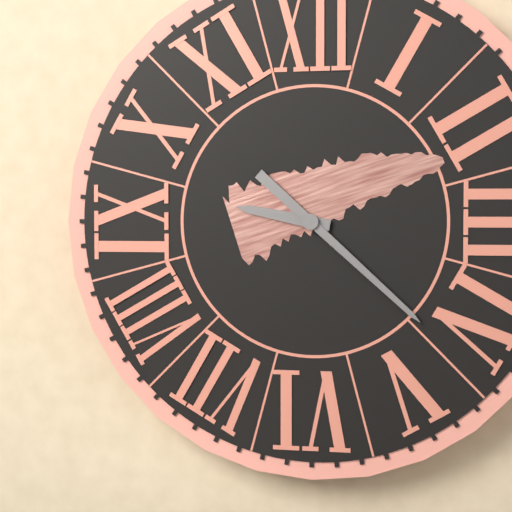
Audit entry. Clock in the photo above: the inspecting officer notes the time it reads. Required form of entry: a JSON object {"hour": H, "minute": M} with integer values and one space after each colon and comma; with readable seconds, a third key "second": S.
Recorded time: {"hour": 9, "minute": 22}
